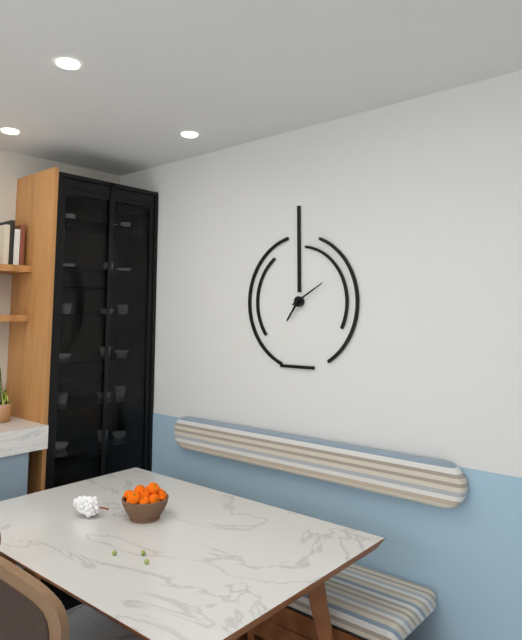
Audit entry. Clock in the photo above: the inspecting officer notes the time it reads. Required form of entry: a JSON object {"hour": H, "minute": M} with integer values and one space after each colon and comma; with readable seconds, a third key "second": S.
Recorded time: {"hour": 7, "minute": 10}
